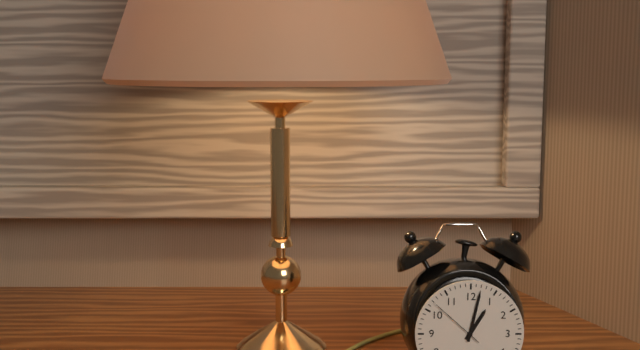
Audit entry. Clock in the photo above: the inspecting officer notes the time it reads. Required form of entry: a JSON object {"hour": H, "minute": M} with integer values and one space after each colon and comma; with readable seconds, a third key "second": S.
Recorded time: {"hour": 1, "minute": 2, "second": 52}
